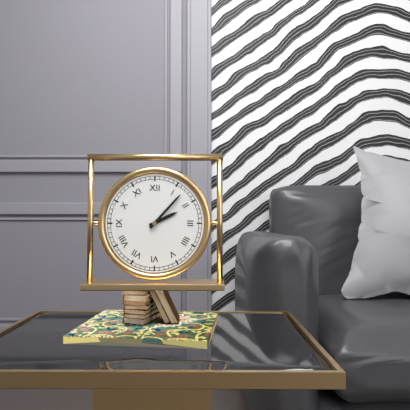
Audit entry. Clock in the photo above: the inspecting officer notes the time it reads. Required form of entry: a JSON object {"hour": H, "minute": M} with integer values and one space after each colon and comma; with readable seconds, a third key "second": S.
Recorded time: {"hour": 2, "minute": 7}
